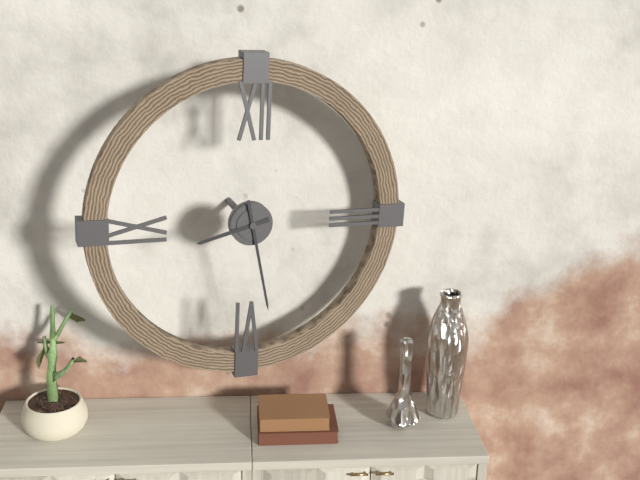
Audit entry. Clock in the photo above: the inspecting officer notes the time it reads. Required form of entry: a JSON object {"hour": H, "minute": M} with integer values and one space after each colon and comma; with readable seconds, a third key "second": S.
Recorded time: {"hour": 8, "minute": 28}
